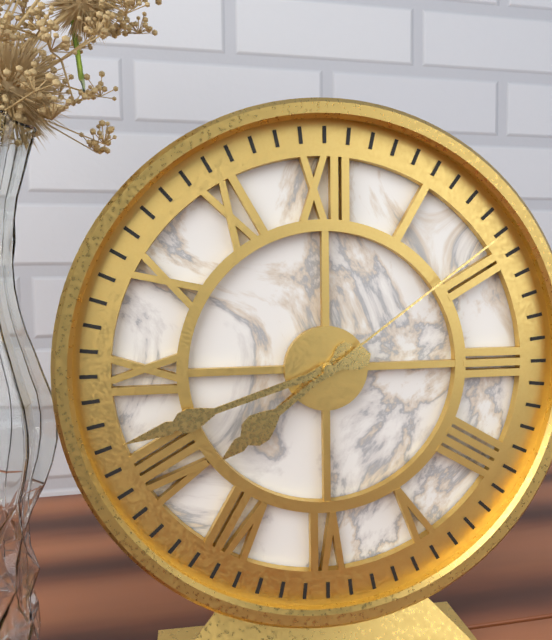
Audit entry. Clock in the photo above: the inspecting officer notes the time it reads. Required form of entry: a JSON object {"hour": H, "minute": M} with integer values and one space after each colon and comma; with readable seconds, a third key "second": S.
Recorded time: {"hour": 7, "minute": 42, "second": 9}
